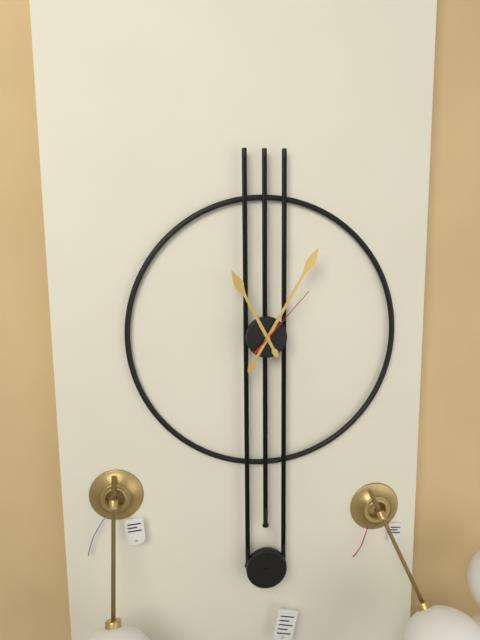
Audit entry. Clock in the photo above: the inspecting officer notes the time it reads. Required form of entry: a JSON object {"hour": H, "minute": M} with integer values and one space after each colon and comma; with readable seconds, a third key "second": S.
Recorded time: {"hour": 11, "minute": 5, "second": 7}
